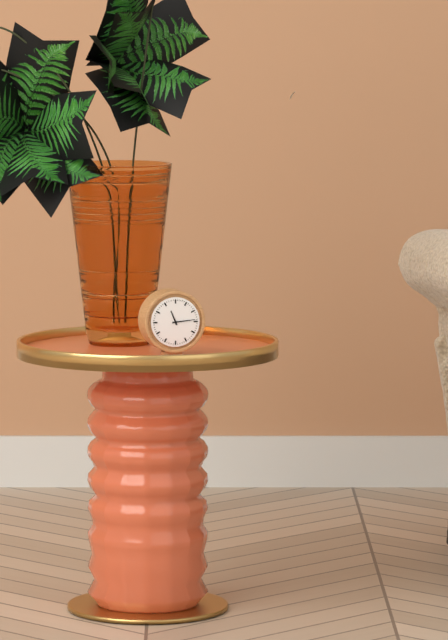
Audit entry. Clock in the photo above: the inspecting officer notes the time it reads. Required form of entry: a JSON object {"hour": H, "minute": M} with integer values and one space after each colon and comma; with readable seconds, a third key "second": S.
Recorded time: {"hour": 11, "minute": 14}
